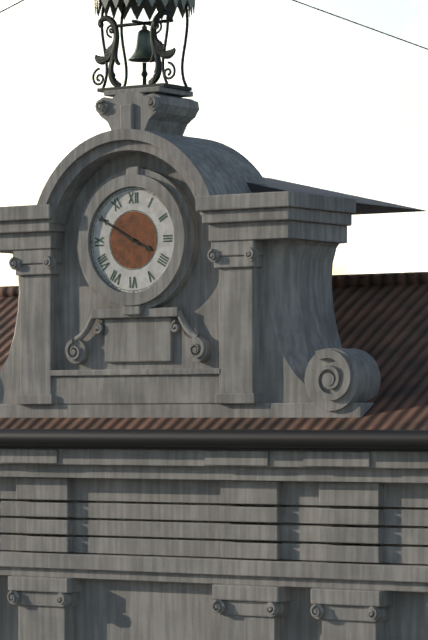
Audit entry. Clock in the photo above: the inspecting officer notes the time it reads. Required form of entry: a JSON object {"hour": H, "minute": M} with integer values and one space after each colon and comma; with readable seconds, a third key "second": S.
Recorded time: {"hour": 3, "minute": 50}
